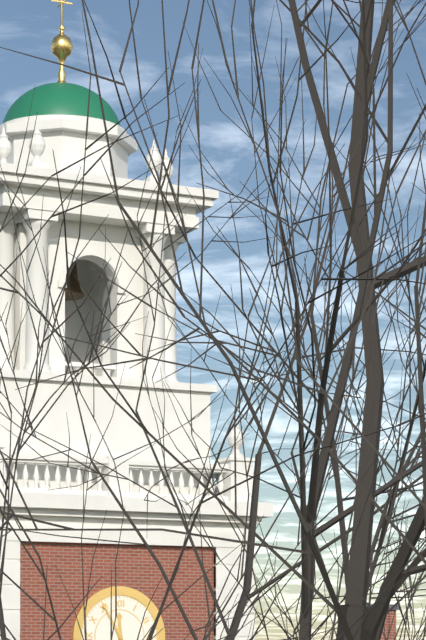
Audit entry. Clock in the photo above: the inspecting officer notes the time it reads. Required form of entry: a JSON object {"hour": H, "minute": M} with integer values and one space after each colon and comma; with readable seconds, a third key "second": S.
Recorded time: {"hour": 11, "minute": 55}
